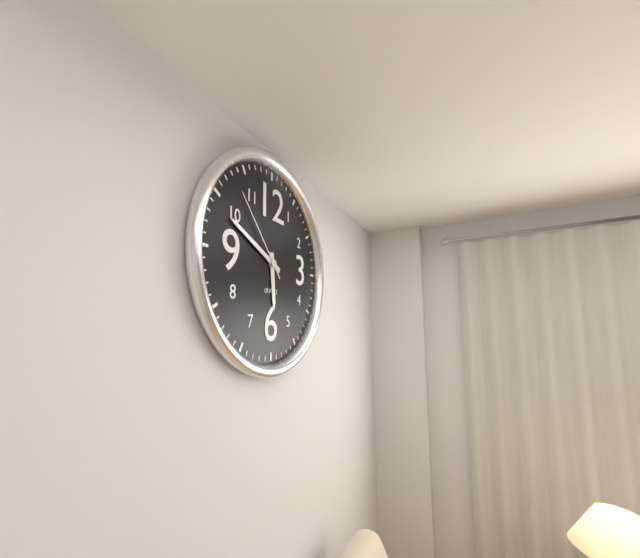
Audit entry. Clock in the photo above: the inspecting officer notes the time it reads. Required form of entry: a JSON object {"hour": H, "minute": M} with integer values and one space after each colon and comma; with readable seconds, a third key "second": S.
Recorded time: {"hour": 5, "minute": 49, "second": 53}
